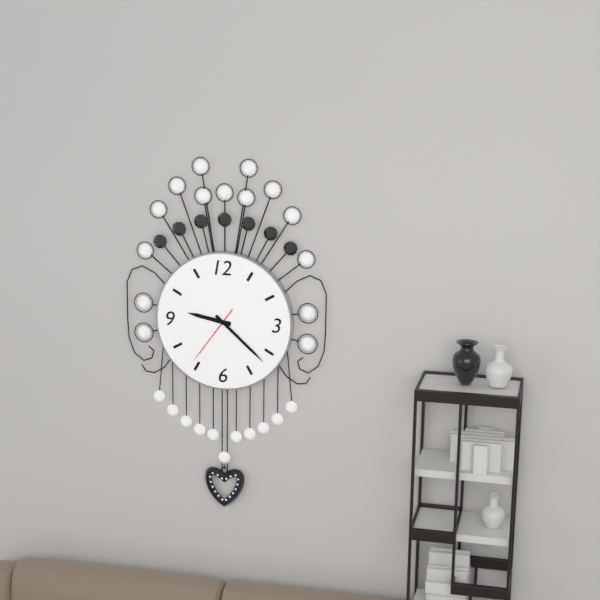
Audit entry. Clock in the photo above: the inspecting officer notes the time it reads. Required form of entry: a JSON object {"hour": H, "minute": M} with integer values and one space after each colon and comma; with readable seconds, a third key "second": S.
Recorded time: {"hour": 9, "minute": 22, "second": 36}
